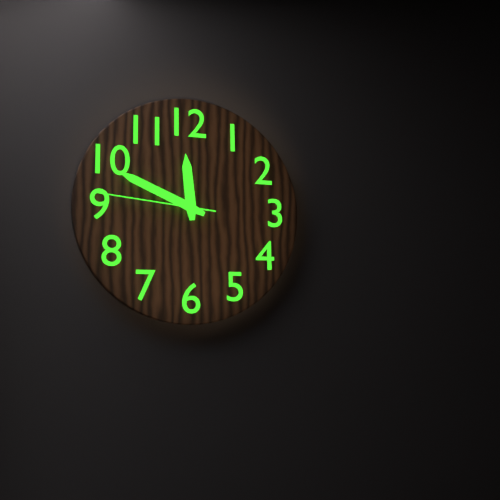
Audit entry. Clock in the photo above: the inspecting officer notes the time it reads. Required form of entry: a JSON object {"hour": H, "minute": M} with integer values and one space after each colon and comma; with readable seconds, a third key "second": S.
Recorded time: {"hour": 11, "minute": 49, "second": 46}
